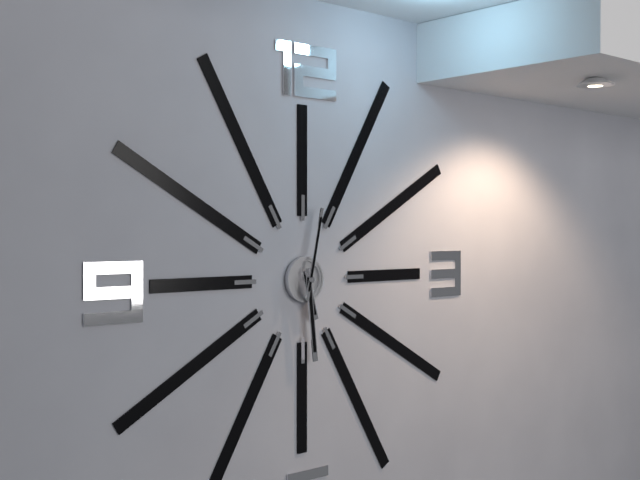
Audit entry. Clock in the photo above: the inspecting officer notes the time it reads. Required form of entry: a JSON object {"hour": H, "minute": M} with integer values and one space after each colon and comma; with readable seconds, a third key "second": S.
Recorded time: {"hour": 5, "minute": 29, "second": 2}
